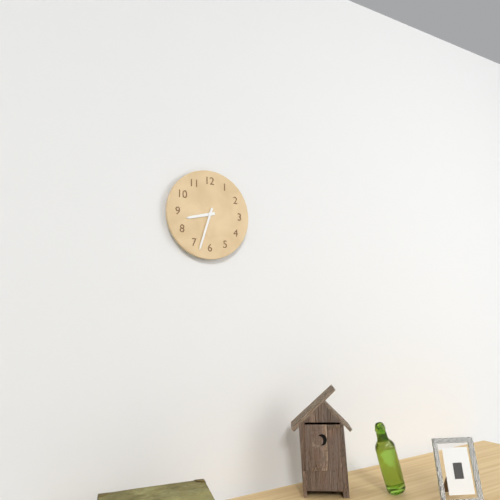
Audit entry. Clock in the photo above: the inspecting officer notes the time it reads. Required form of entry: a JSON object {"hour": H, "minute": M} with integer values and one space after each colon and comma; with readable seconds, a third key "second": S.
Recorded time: {"hour": 8, "minute": 33}
